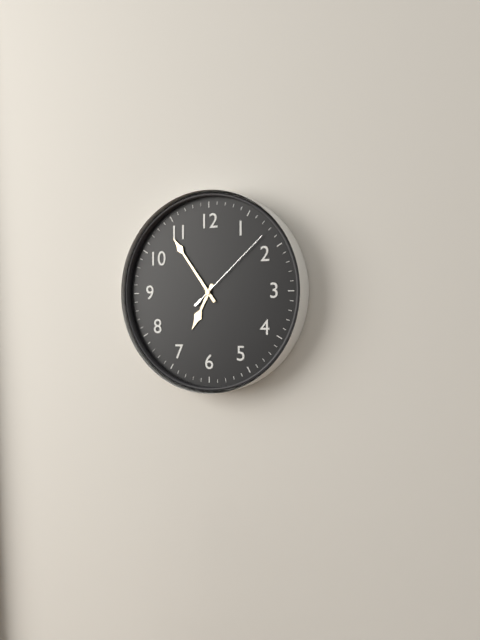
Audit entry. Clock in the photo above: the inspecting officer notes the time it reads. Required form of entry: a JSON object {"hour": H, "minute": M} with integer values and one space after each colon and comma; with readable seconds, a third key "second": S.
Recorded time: {"hour": 6, "minute": 54, "second": 8}
